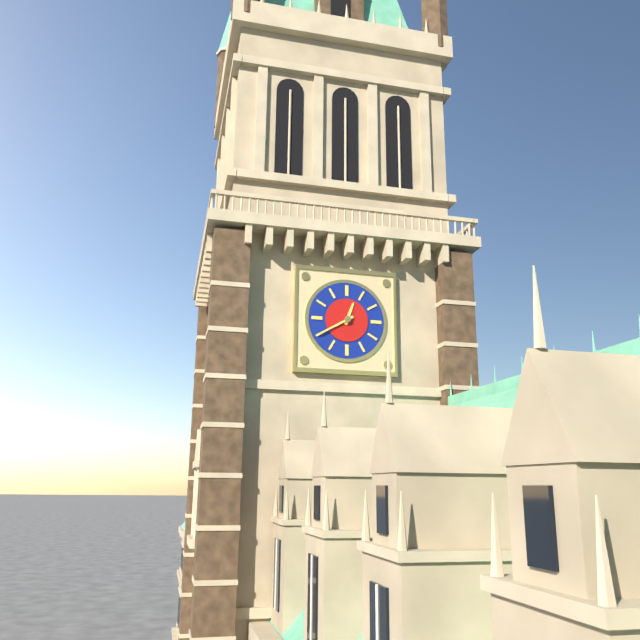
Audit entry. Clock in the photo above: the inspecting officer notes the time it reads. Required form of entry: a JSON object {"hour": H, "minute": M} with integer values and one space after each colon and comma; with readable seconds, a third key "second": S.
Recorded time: {"hour": 12, "minute": 40}
